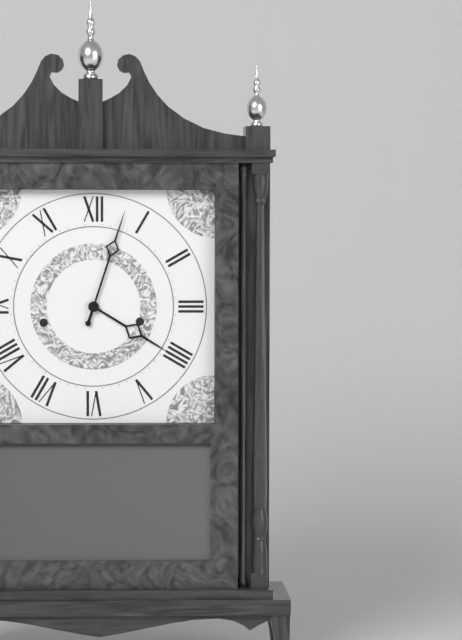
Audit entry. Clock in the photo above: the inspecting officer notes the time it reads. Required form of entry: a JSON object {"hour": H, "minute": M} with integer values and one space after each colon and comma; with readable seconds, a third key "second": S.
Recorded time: {"hour": 4, "minute": 3}
